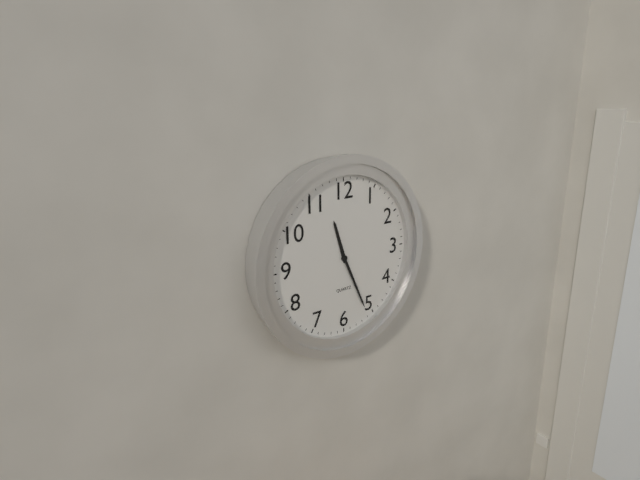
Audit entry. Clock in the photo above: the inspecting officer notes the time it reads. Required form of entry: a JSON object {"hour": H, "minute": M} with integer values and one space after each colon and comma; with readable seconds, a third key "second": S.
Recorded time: {"hour": 11, "minute": 26}
